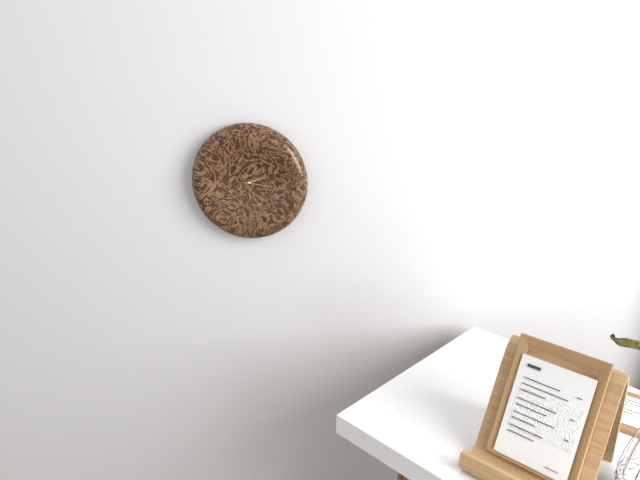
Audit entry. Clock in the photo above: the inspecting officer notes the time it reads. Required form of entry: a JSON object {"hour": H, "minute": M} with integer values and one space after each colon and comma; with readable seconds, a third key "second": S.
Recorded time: {"hour": 2, "minute": 16}
